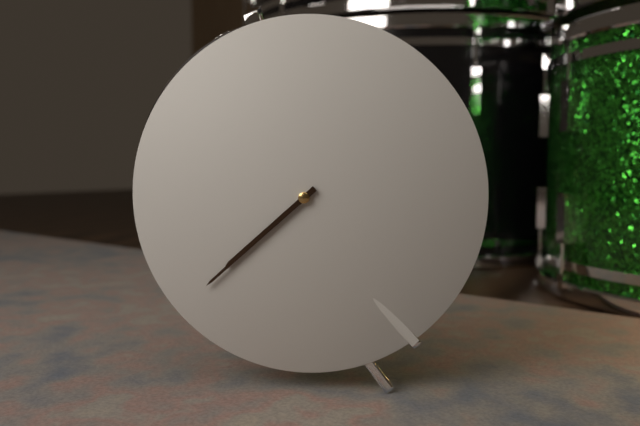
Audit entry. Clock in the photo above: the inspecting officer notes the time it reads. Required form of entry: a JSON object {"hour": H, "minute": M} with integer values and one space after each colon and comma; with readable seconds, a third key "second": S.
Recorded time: {"hour": 7, "minute": 38}
